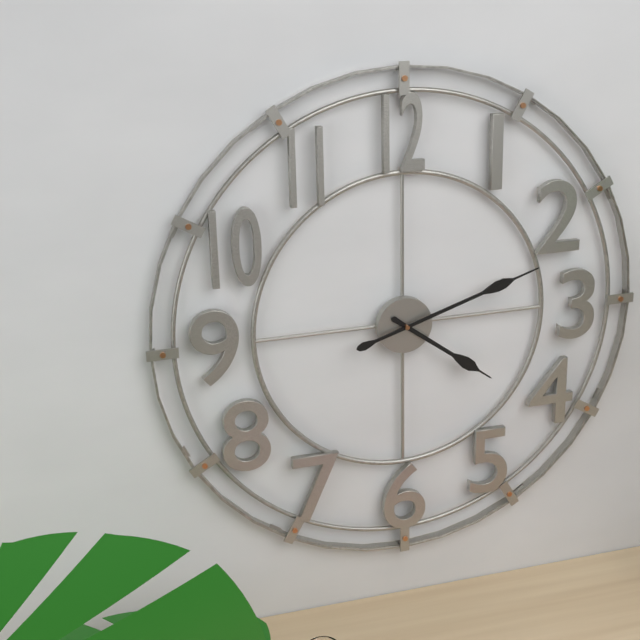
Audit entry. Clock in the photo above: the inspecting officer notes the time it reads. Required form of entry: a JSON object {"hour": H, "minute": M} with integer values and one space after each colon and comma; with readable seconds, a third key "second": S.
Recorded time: {"hour": 4, "minute": 12}
